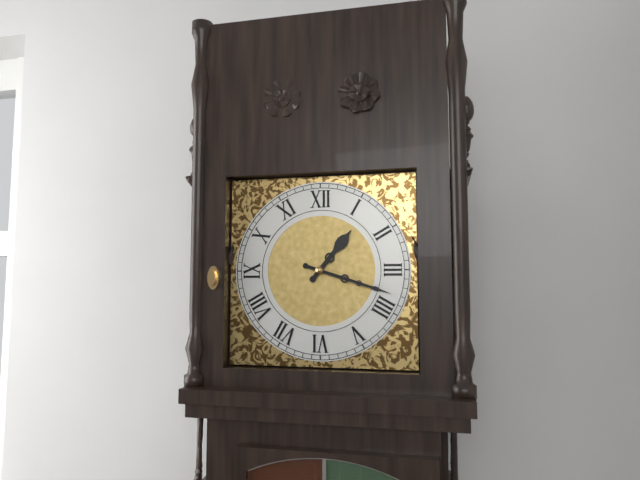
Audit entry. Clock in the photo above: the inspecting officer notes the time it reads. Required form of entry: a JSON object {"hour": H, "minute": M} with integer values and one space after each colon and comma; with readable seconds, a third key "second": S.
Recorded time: {"hour": 1, "minute": 18}
